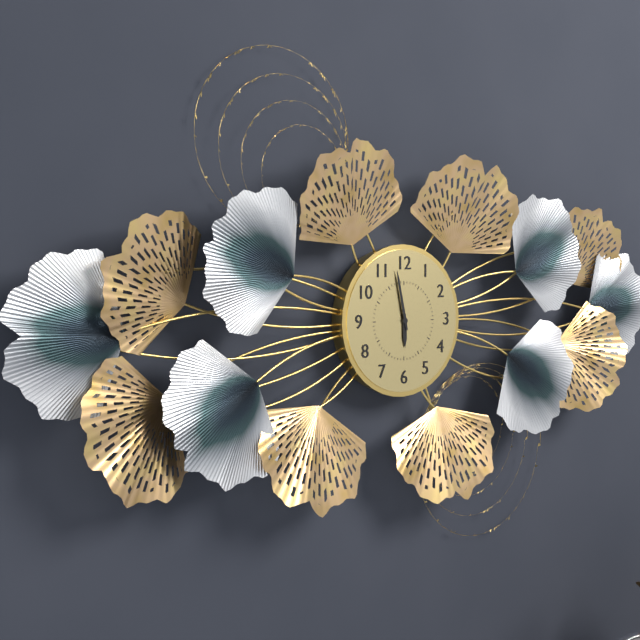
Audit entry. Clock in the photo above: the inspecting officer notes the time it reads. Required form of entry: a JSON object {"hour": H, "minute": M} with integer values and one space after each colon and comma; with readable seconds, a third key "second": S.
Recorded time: {"hour": 5, "minute": 58}
